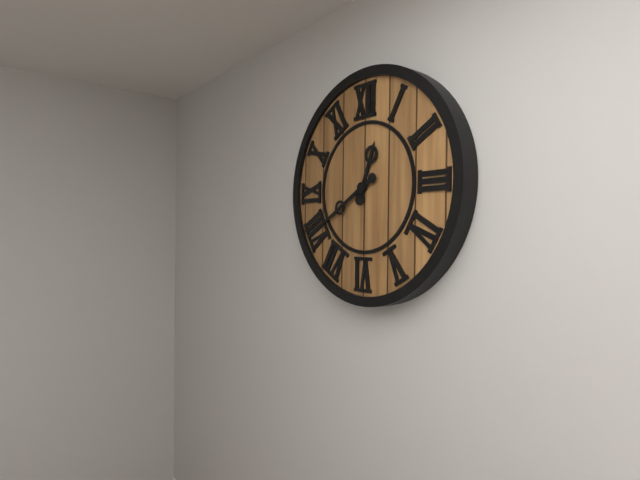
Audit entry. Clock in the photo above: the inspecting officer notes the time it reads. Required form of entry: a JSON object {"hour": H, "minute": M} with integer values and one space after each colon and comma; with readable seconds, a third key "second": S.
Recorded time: {"hour": 12, "minute": 40}
